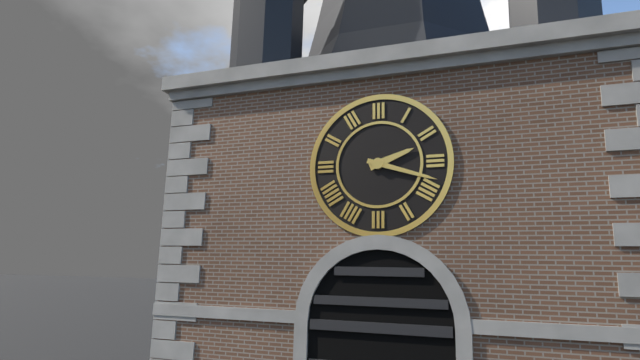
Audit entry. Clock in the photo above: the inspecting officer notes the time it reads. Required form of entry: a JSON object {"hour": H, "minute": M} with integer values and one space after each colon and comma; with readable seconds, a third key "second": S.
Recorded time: {"hour": 2, "minute": 18}
